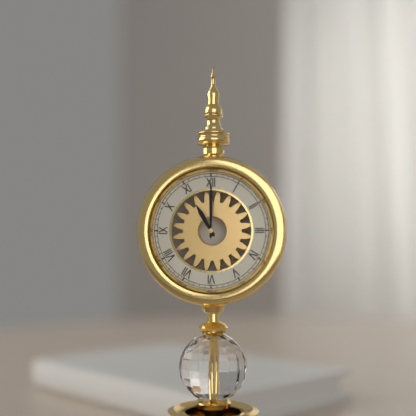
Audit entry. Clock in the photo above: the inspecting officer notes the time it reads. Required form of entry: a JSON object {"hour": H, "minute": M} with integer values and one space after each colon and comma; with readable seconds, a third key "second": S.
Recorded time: {"hour": 11, "minute": 0}
